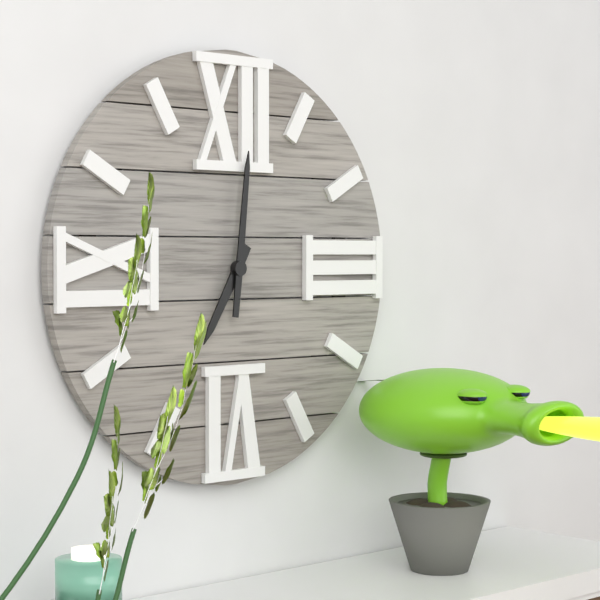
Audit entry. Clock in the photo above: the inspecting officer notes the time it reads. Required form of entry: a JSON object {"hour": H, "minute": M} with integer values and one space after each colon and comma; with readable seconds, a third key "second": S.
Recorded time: {"hour": 7, "minute": 1}
